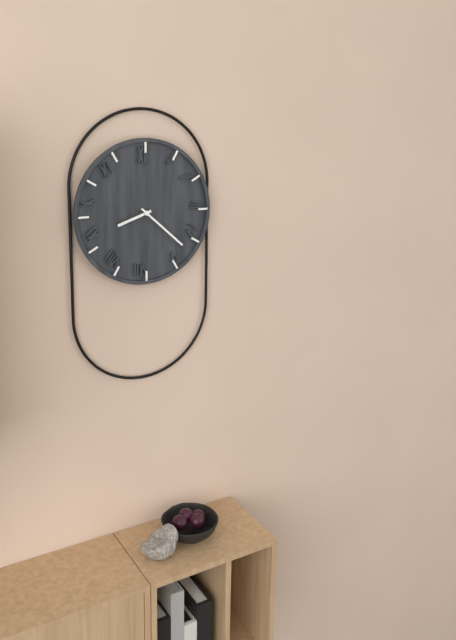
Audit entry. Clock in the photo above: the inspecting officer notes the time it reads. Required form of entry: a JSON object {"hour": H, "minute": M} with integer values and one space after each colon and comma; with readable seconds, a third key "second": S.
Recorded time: {"hour": 8, "minute": 22}
